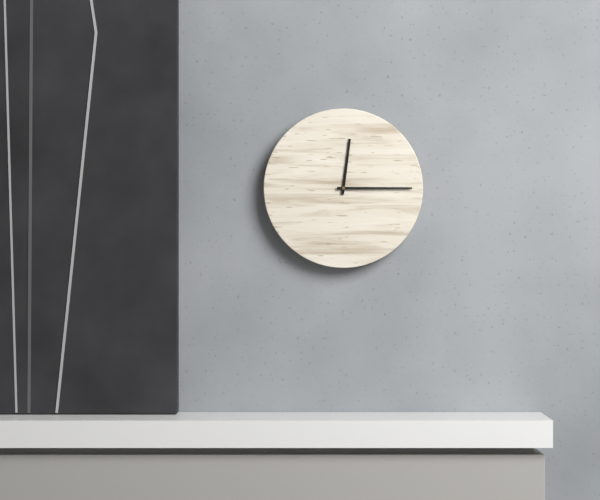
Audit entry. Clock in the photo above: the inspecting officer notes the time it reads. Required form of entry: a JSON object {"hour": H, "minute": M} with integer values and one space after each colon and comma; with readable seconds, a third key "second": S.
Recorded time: {"hour": 12, "minute": 15}
